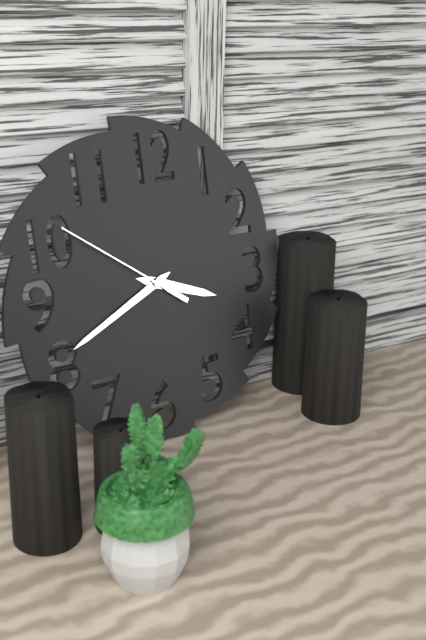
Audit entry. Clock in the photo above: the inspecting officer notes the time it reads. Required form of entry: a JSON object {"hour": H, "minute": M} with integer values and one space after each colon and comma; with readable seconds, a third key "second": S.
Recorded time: {"hour": 3, "minute": 41, "second": 51}
